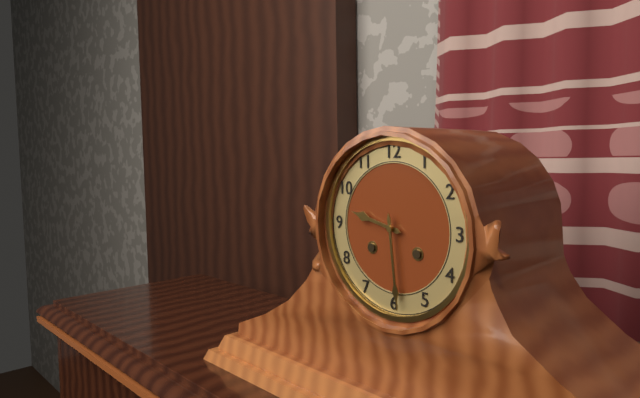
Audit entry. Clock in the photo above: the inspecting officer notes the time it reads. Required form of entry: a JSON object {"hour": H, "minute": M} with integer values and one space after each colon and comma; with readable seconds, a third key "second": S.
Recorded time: {"hour": 9, "minute": 29}
